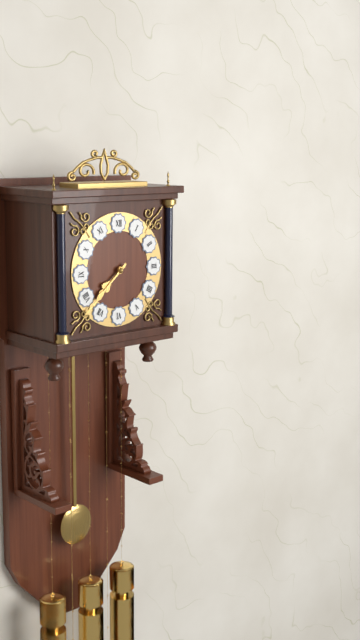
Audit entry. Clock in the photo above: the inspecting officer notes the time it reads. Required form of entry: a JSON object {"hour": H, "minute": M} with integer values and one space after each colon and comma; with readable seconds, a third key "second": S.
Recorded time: {"hour": 7, "minute": 38}
